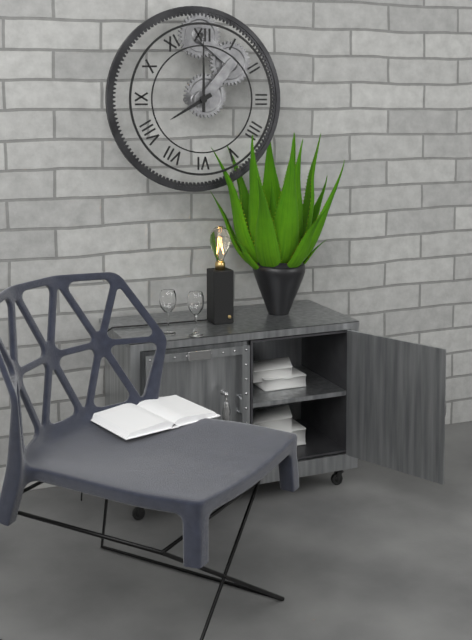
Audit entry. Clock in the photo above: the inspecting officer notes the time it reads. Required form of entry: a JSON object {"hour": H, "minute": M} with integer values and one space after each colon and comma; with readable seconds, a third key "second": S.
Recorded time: {"hour": 8, "minute": 0}
